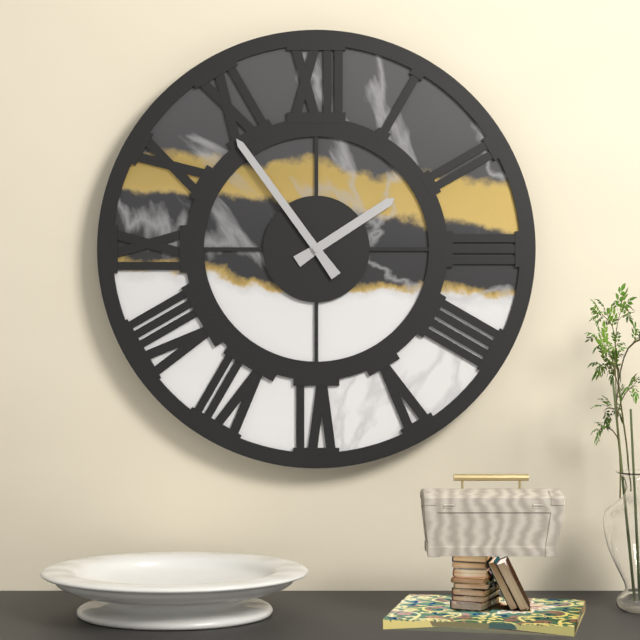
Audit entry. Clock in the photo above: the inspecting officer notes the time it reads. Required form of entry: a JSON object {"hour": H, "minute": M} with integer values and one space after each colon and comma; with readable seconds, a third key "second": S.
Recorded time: {"hour": 1, "minute": 54}
